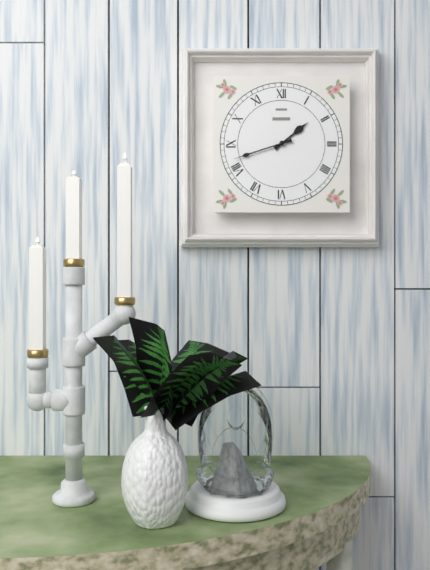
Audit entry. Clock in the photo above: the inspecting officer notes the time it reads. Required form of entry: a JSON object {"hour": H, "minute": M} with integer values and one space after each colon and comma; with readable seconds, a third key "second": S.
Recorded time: {"hour": 1, "minute": 42}
